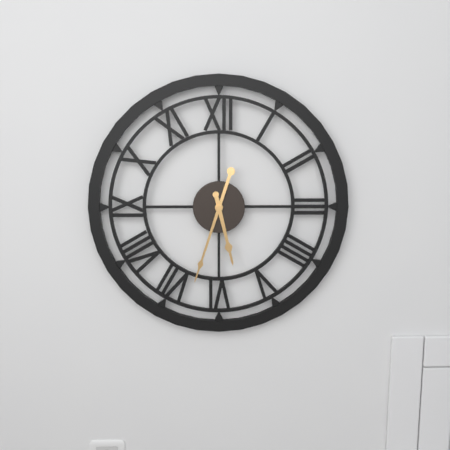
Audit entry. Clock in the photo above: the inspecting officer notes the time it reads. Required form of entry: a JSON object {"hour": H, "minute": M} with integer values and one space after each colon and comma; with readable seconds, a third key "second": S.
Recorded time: {"hour": 5, "minute": 33}
